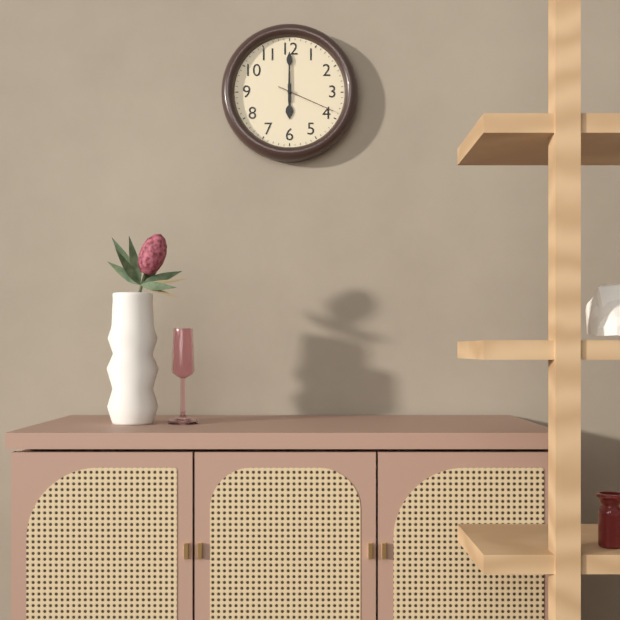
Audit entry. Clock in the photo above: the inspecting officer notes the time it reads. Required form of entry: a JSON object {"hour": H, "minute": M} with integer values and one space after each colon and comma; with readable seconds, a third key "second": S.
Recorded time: {"hour": 6, "minute": 0, "second": 19}
